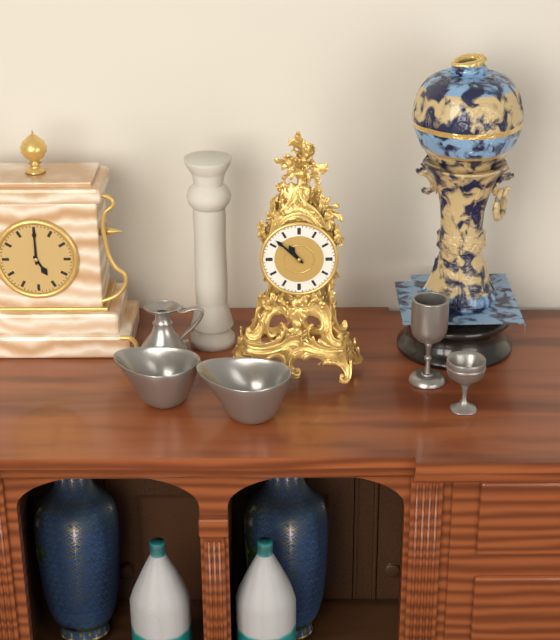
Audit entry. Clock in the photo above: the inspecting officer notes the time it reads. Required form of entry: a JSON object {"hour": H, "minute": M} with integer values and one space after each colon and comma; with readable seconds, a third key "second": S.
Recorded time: {"hour": 10, "minute": 52}
